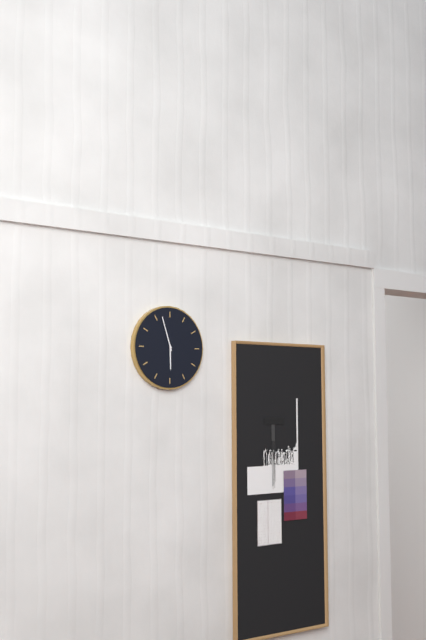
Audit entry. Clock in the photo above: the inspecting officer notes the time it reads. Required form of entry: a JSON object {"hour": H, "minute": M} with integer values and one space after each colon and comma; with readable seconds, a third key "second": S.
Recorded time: {"hour": 5, "minute": 57}
